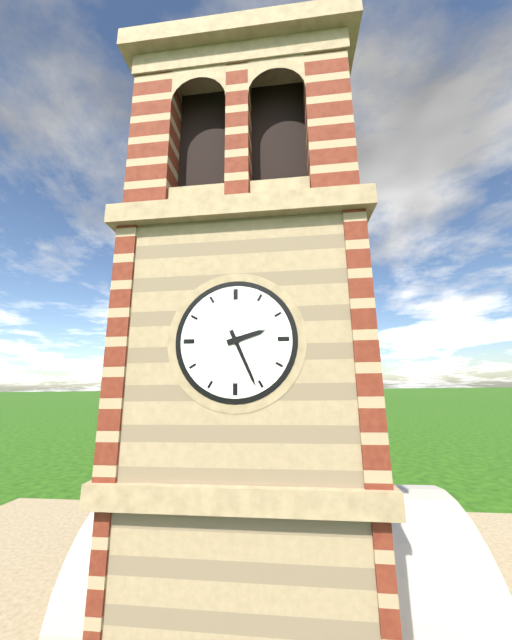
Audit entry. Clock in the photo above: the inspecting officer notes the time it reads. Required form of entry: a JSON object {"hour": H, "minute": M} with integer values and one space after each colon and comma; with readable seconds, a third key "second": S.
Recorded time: {"hour": 2, "minute": 26}
